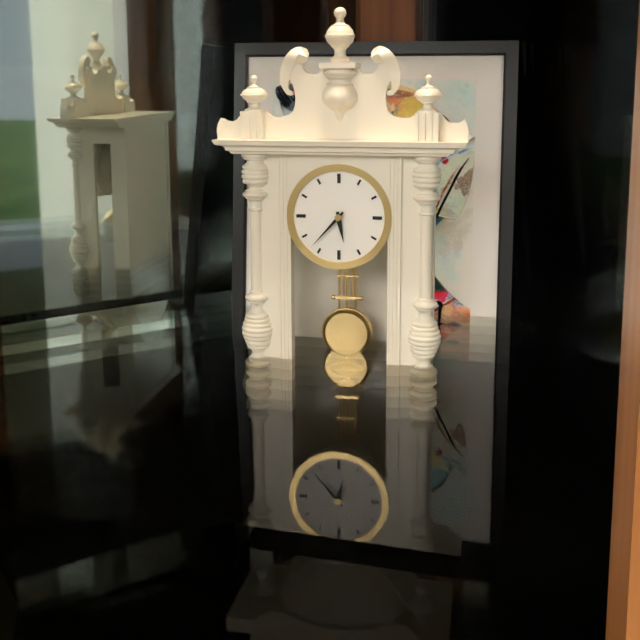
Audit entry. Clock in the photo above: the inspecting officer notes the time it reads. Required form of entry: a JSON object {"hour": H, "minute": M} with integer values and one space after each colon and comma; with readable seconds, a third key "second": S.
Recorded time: {"hour": 5, "minute": 37}
